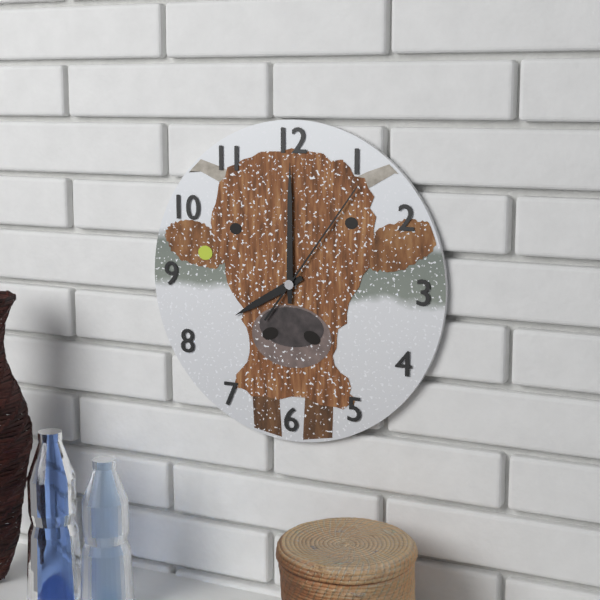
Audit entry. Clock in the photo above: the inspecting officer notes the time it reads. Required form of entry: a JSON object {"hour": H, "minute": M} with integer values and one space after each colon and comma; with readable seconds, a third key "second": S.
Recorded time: {"hour": 8, "minute": 0, "second": 6}
